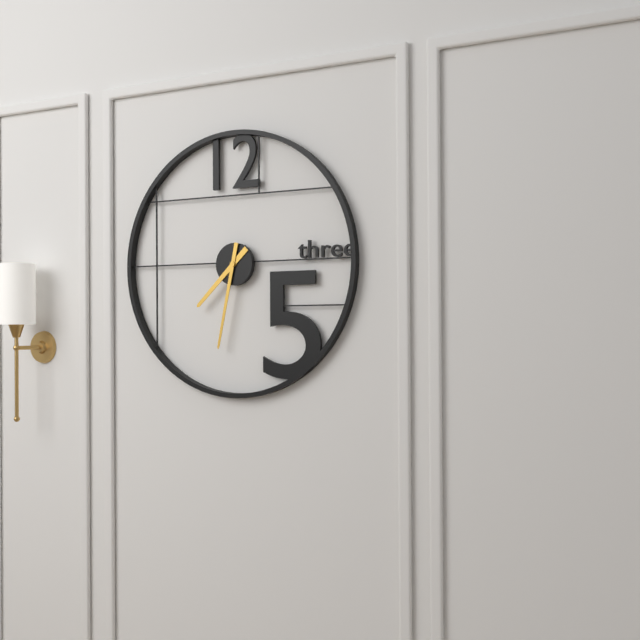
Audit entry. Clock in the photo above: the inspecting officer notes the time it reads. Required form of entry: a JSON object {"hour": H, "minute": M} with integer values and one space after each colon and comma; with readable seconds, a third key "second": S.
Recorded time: {"hour": 7, "minute": 32}
